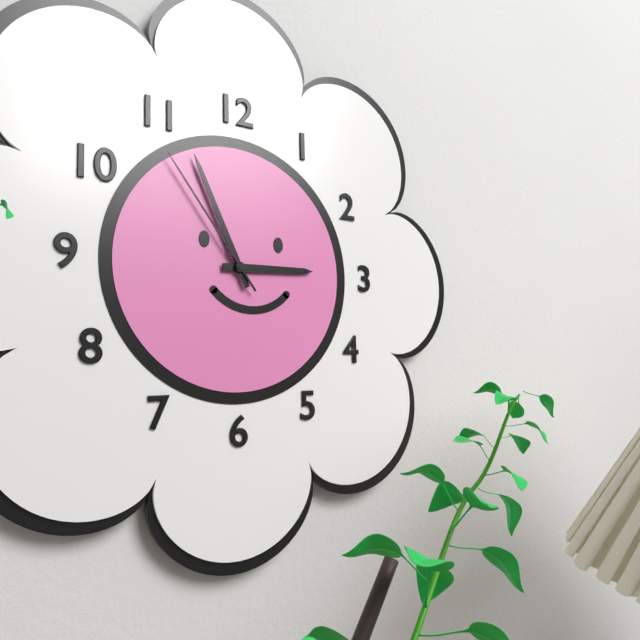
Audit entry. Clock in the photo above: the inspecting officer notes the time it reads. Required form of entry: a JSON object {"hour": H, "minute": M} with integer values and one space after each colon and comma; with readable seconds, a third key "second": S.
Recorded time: {"hour": 2, "minute": 56, "second": 54}
